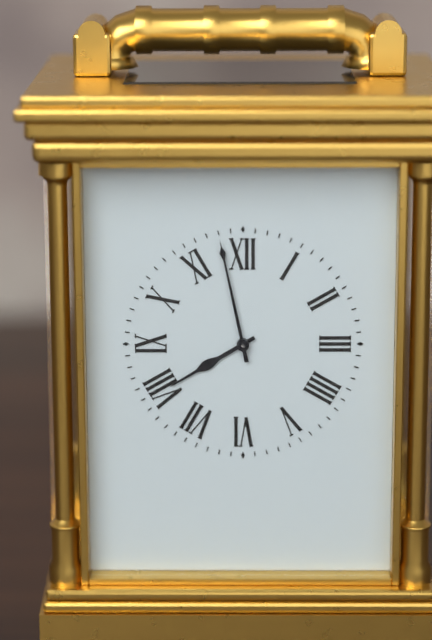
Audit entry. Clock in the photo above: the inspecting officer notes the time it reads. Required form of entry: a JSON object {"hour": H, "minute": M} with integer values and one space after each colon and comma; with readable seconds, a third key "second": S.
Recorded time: {"hour": 7, "minute": 58}
